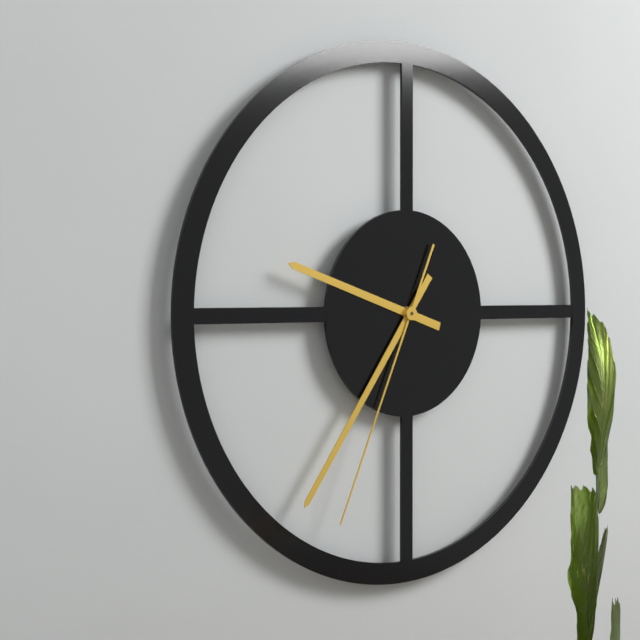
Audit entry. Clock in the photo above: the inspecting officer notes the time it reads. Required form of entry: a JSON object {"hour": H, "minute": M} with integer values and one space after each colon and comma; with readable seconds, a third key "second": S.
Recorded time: {"hour": 9, "minute": 36, "second": 34}
